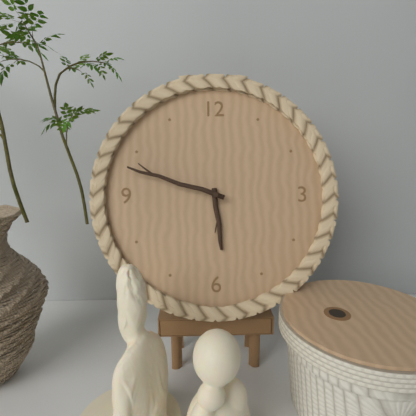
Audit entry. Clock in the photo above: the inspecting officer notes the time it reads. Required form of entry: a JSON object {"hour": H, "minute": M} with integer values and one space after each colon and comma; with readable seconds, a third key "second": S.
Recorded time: {"hour": 5, "minute": 48}
